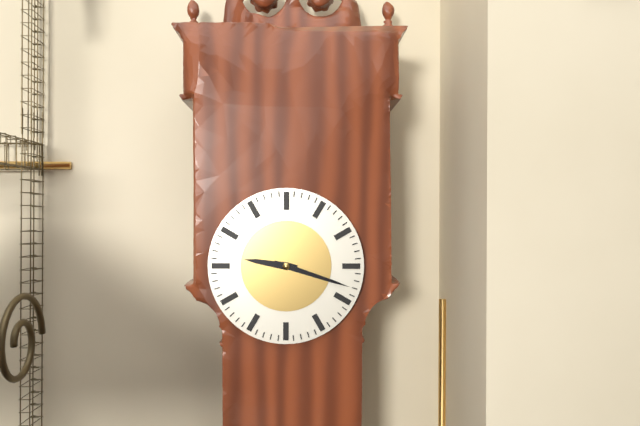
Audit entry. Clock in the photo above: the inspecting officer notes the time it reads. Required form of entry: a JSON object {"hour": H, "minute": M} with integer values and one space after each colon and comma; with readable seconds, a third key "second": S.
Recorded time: {"hour": 9, "minute": 18}
